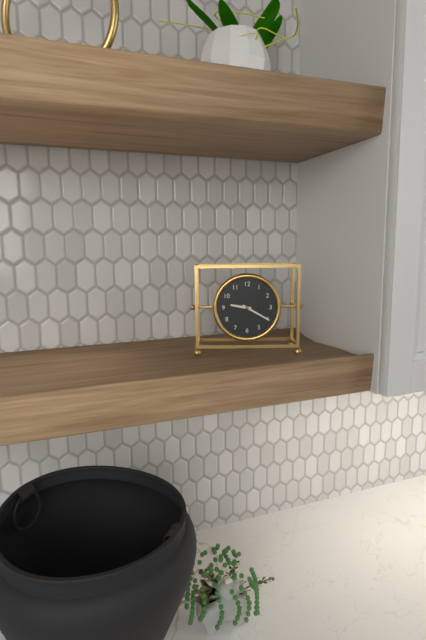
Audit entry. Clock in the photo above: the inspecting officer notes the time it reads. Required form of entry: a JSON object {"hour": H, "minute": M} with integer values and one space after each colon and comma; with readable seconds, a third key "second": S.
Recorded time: {"hour": 9, "minute": 20}
